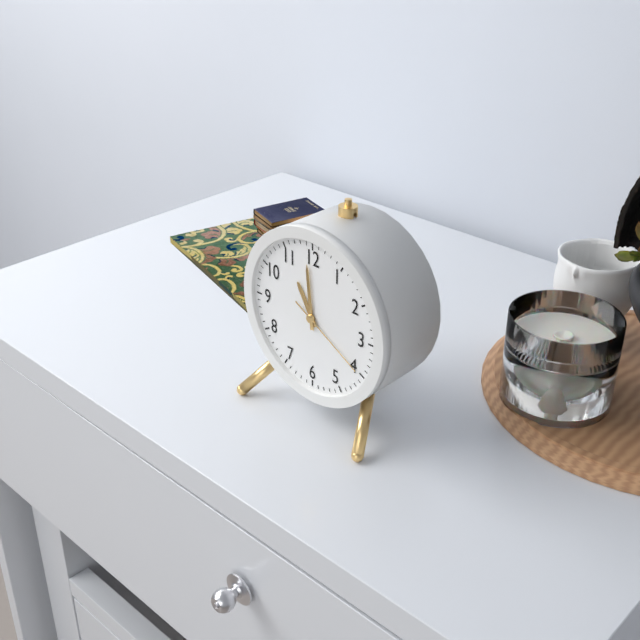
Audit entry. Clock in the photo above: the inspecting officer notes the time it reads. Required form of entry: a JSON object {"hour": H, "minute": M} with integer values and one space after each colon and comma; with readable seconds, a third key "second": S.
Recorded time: {"hour": 10, "minute": 59, "second": 20}
